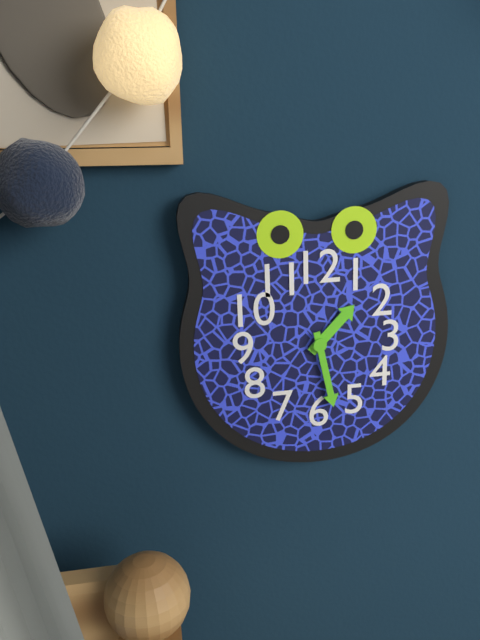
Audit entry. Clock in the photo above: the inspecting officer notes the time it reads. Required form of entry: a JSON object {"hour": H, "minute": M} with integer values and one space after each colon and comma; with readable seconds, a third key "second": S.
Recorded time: {"hour": 1, "minute": 28}
